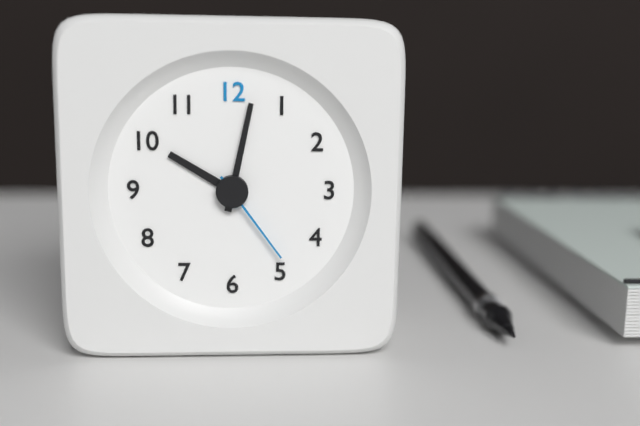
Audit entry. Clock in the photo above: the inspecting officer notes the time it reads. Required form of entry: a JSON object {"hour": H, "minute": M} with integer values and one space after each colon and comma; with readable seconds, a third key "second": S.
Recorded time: {"hour": 10, "minute": 2, "second": 24}
